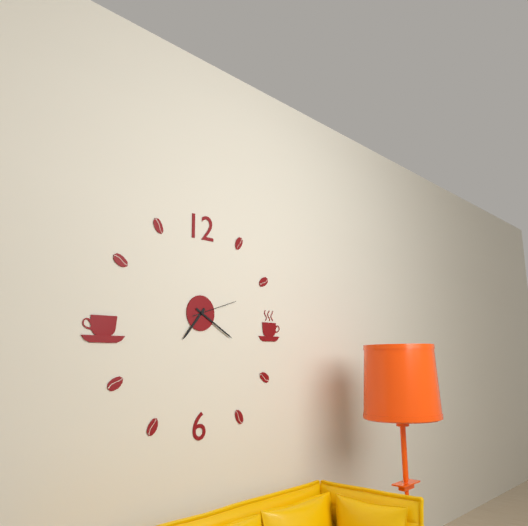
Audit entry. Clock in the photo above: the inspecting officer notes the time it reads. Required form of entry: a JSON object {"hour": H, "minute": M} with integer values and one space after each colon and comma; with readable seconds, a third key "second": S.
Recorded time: {"hour": 7, "minute": 20}
